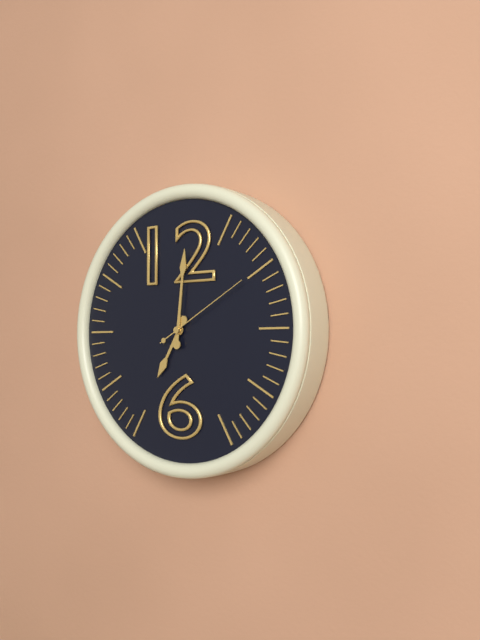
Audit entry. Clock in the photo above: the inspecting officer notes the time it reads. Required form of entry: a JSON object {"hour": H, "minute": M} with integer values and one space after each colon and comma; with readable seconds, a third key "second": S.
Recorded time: {"hour": 7, "minute": 1, "second": 10}
